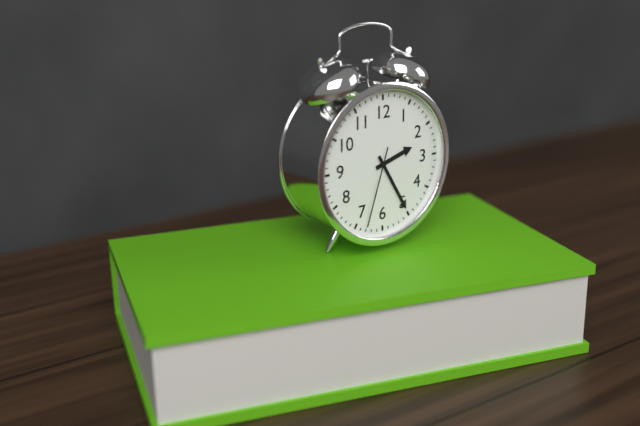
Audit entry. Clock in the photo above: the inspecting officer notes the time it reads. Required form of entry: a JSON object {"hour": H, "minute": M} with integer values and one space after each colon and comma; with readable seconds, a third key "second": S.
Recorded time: {"hour": 2, "minute": 25, "second": 33}
